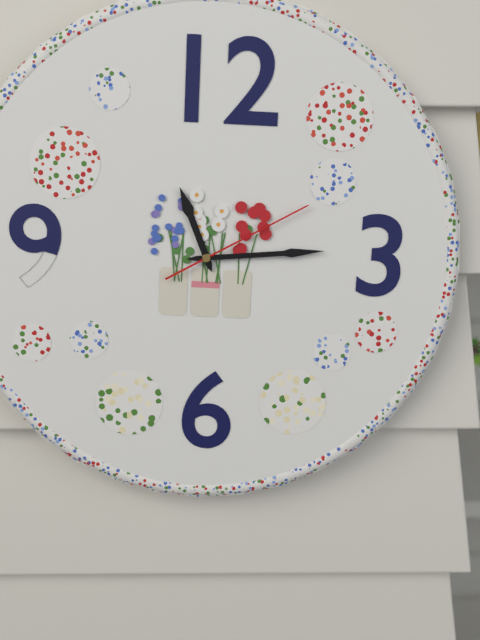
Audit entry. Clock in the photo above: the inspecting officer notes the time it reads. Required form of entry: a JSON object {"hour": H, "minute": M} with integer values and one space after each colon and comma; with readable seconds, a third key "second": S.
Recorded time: {"hour": 11, "minute": 14, "second": 10}
